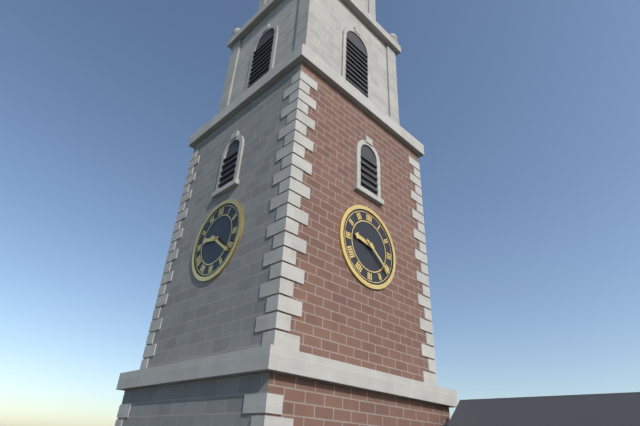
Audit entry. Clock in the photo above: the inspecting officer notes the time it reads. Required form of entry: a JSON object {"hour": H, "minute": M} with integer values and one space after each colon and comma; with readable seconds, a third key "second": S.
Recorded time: {"hour": 9, "minute": 21}
